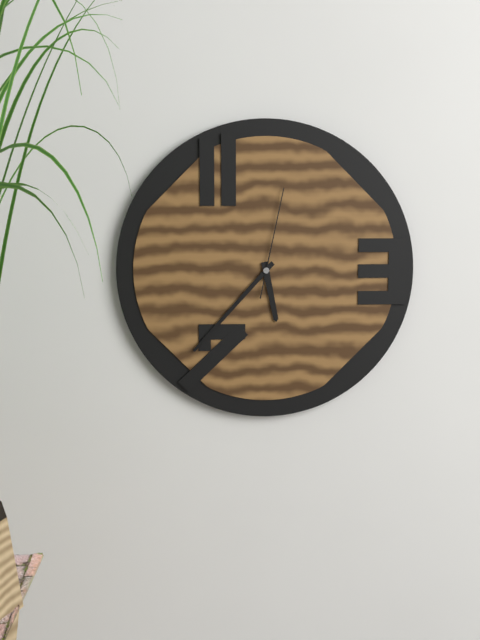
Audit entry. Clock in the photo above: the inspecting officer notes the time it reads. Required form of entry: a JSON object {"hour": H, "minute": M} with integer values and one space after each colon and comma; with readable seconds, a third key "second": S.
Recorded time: {"hour": 5, "minute": 37, "second": 2}
